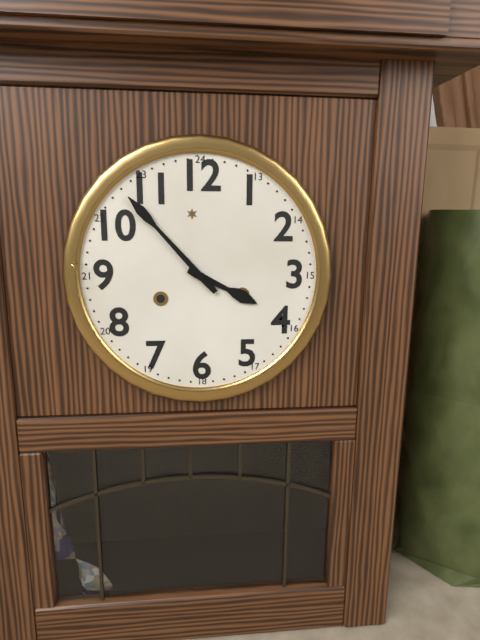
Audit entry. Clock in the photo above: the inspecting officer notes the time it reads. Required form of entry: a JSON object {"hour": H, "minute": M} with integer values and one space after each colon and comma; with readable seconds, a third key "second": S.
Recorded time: {"hour": 3, "minute": 53}
